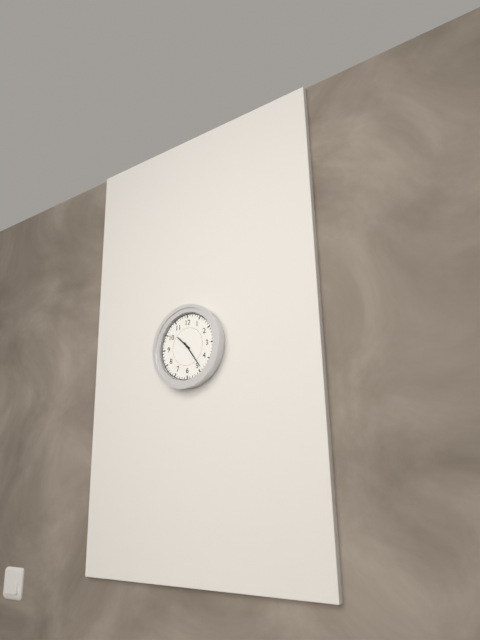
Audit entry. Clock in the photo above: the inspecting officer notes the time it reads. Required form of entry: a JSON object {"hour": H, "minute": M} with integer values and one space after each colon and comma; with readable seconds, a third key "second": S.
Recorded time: {"hour": 10, "minute": 24}
